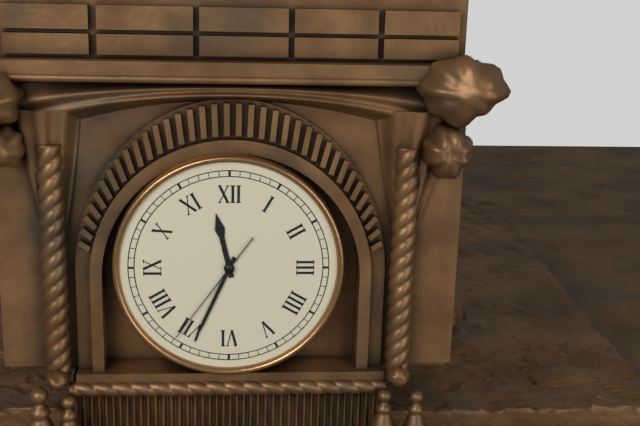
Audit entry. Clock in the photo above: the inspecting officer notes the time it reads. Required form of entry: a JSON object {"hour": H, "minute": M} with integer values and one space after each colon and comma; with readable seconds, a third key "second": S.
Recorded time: {"hour": 11, "minute": 34, "second": 36}
